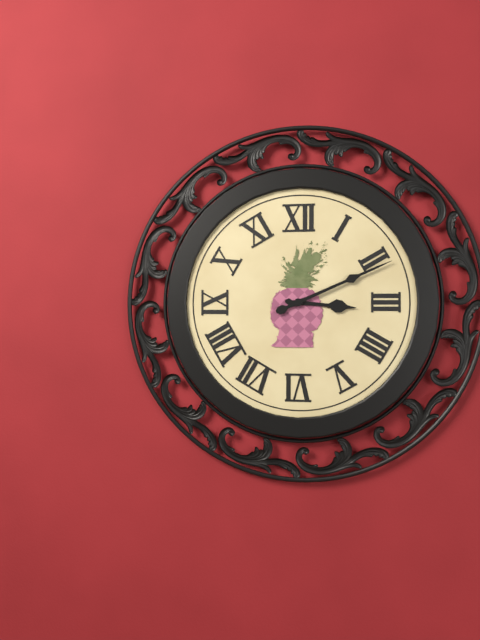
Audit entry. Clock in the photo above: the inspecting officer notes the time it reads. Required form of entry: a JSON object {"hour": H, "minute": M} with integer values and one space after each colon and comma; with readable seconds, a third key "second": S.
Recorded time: {"hour": 3, "minute": 11}
